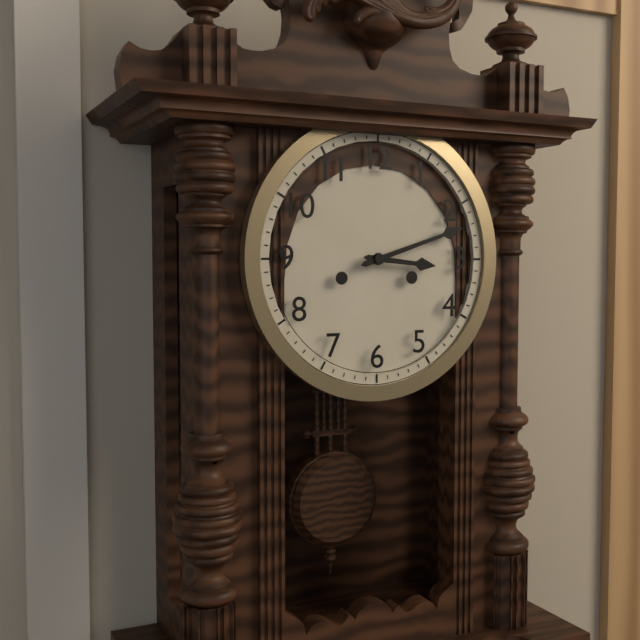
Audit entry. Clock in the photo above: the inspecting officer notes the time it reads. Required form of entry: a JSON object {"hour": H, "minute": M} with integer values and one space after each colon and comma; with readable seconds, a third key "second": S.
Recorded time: {"hour": 3, "minute": 12}
